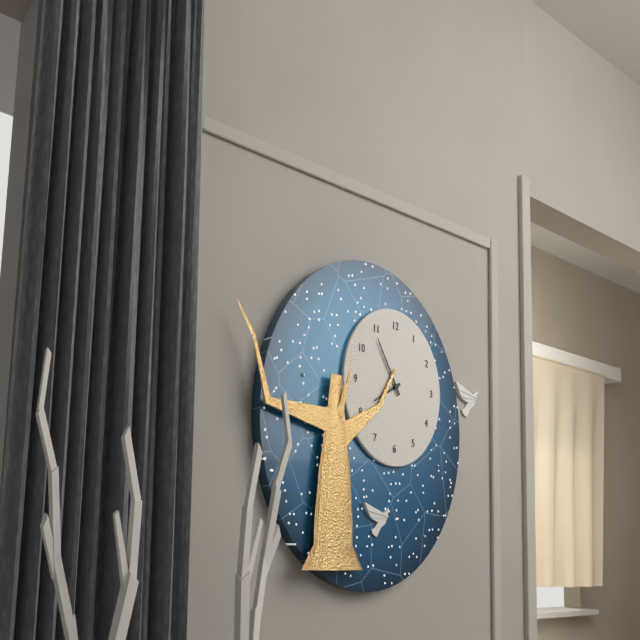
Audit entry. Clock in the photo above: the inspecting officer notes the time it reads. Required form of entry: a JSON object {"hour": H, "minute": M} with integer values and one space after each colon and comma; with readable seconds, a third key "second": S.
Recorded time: {"hour": 7, "minute": 55}
